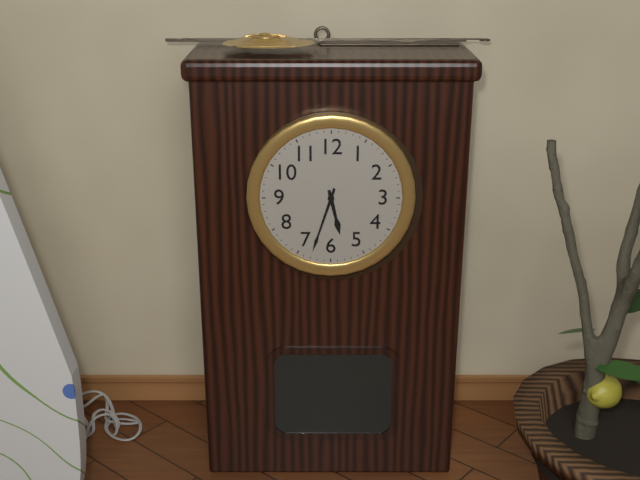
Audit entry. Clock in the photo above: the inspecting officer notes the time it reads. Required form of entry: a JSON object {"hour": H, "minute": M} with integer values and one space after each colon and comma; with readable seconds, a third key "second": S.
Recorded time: {"hour": 5, "minute": 33}
